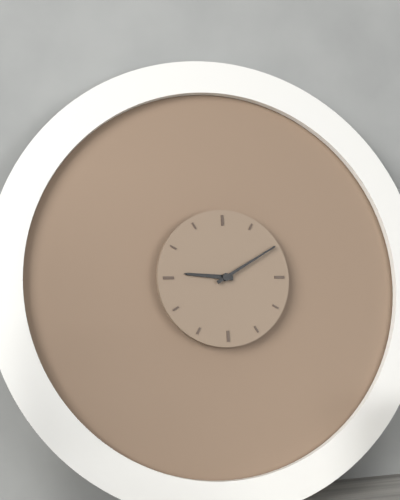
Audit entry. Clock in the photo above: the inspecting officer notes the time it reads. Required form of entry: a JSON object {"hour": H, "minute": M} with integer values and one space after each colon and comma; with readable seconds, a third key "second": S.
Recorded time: {"hour": 9, "minute": 10}
